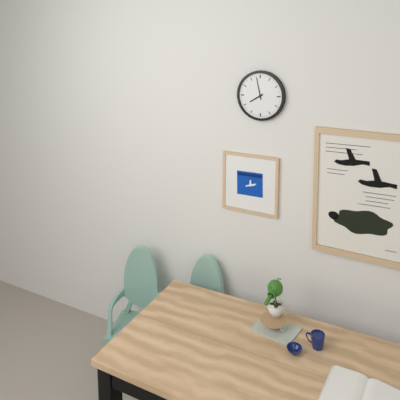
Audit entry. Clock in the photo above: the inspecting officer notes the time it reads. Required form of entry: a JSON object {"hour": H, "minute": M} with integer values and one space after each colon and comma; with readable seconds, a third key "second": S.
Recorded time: {"hour": 7, "minute": 58}
